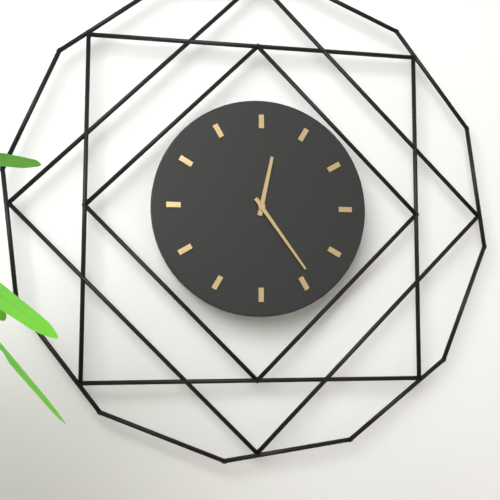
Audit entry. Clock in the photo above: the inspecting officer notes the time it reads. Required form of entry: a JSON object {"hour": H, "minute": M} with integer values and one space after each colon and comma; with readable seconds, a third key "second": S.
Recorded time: {"hour": 12, "minute": 24}
